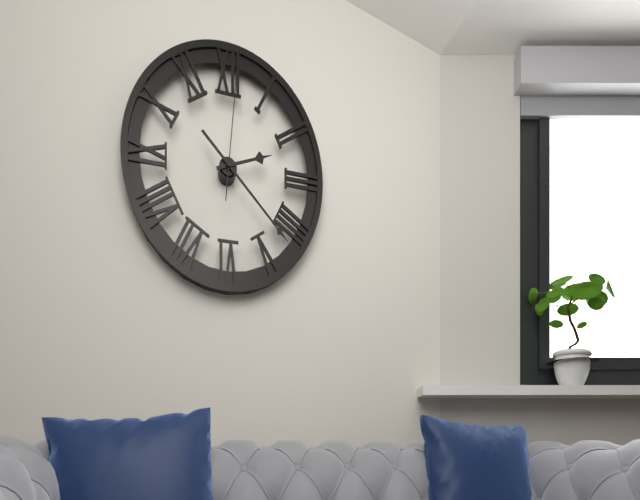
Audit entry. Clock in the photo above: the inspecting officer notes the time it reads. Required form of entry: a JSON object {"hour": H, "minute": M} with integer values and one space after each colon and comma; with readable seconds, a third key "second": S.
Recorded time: {"hour": 2, "minute": 22, "second": 1}
